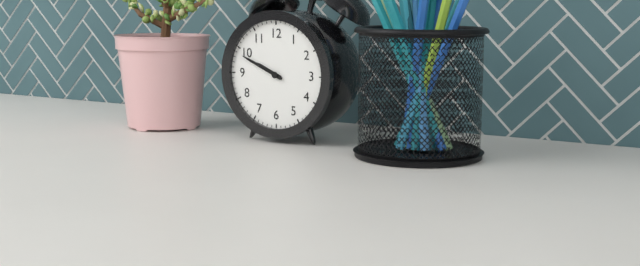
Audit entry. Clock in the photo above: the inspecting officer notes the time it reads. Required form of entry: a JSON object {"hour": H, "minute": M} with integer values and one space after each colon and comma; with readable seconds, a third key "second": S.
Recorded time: {"hour": 9, "minute": 49}
